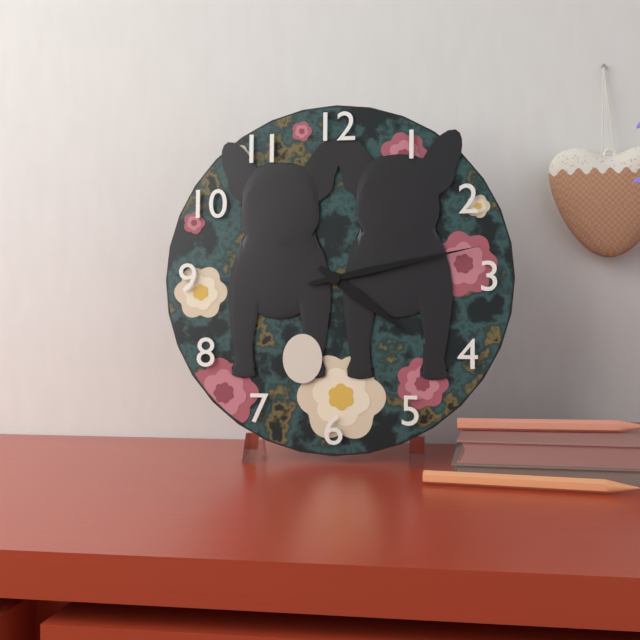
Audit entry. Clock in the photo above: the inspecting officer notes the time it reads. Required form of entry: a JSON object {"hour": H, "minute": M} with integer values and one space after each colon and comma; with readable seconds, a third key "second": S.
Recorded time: {"hour": 4, "minute": 13}
